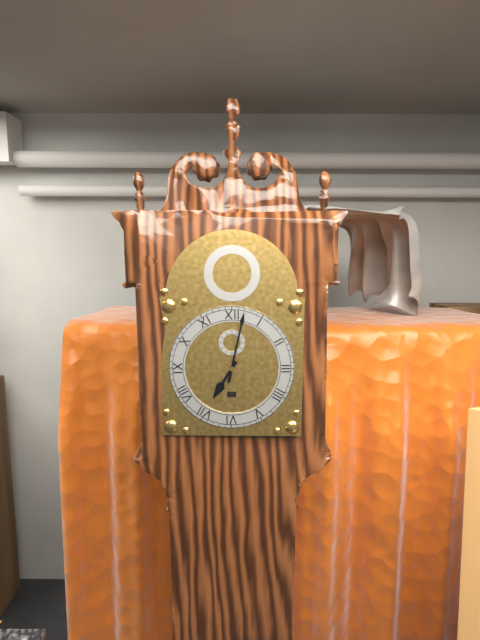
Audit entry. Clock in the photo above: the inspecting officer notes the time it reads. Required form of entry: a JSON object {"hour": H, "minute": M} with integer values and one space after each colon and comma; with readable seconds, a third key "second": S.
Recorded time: {"hour": 7, "minute": 2}
